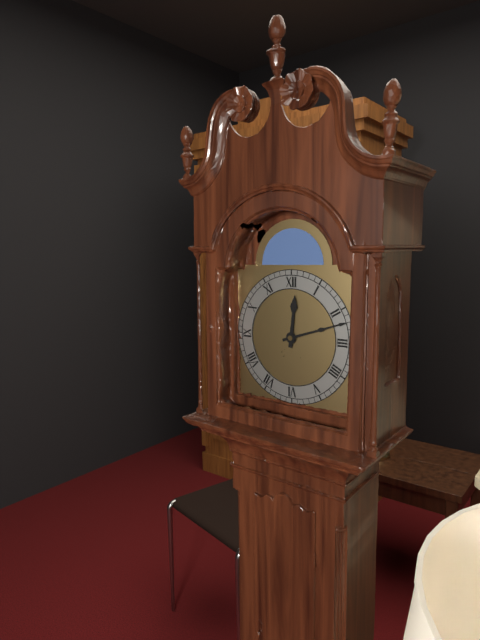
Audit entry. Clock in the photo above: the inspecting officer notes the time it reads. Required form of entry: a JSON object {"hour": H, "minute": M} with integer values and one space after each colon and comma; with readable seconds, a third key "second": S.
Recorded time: {"hour": 12, "minute": 12}
